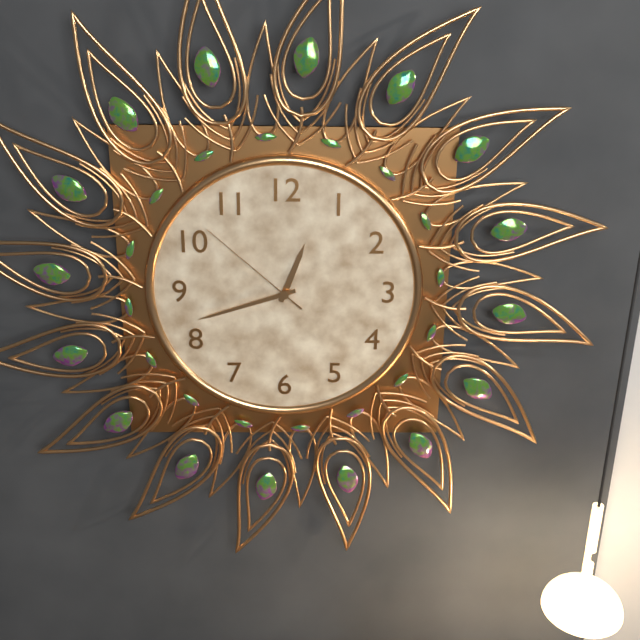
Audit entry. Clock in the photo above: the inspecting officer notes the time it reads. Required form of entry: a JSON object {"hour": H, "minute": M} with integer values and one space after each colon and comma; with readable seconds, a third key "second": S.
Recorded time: {"hour": 12, "minute": 42, "second": 52}
